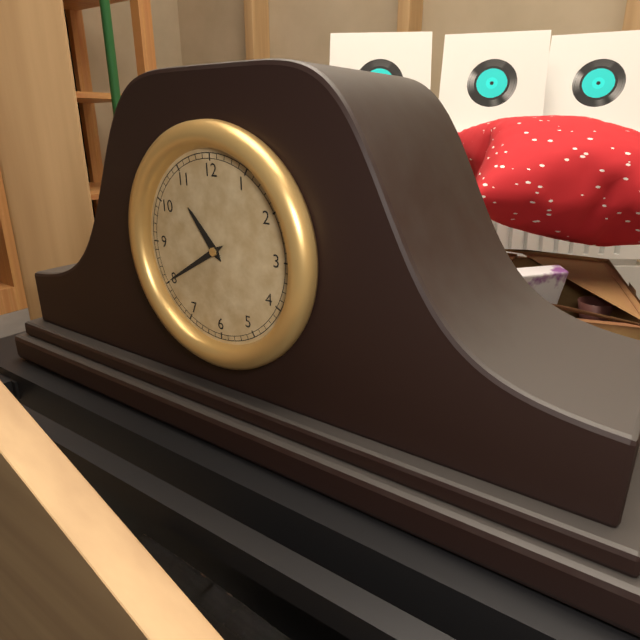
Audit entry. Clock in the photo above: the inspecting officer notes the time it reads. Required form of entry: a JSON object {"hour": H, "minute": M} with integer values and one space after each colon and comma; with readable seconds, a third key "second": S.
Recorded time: {"hour": 10, "minute": 40}
